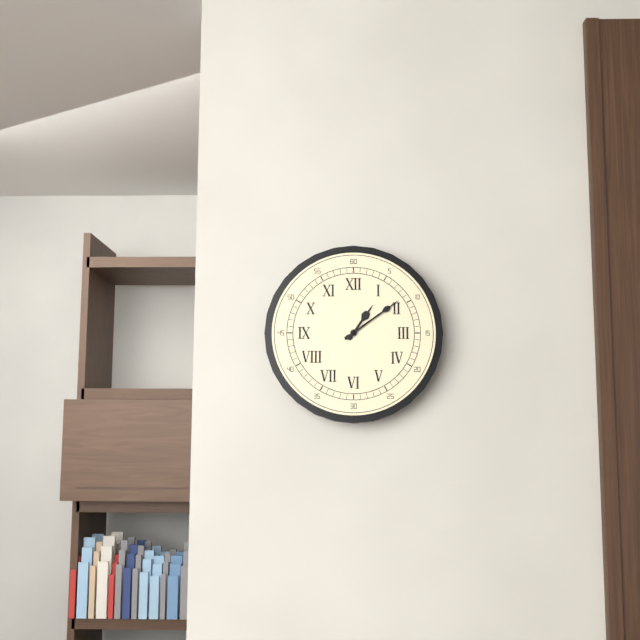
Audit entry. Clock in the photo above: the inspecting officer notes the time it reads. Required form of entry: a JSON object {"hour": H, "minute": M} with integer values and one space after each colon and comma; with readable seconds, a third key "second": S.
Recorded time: {"hour": 1, "minute": 9}
